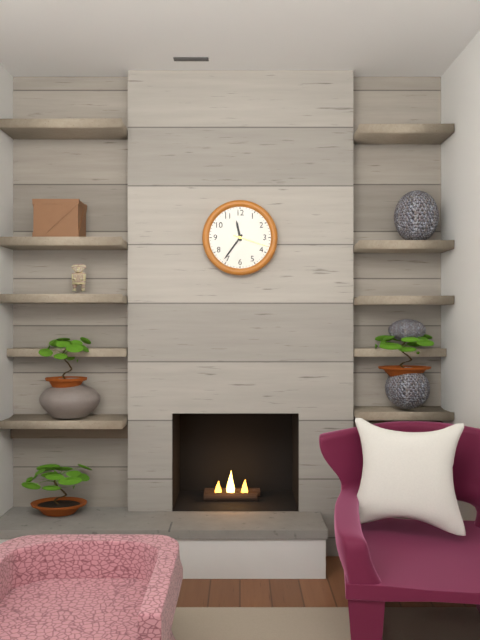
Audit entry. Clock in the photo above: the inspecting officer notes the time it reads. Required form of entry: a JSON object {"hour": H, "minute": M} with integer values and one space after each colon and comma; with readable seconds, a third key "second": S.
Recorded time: {"hour": 11, "minute": 36}
